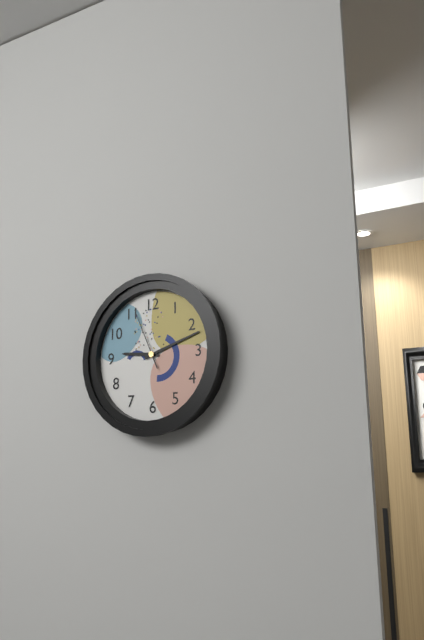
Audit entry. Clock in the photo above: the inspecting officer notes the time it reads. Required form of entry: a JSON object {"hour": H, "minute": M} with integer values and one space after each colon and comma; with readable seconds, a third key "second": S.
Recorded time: {"hour": 9, "minute": 12, "second": 56}
